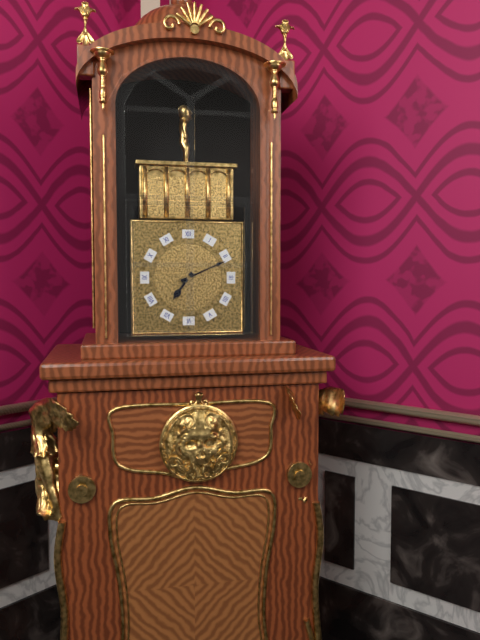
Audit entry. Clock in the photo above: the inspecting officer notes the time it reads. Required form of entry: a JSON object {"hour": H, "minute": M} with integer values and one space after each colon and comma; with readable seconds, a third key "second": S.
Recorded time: {"hour": 7, "minute": 11}
